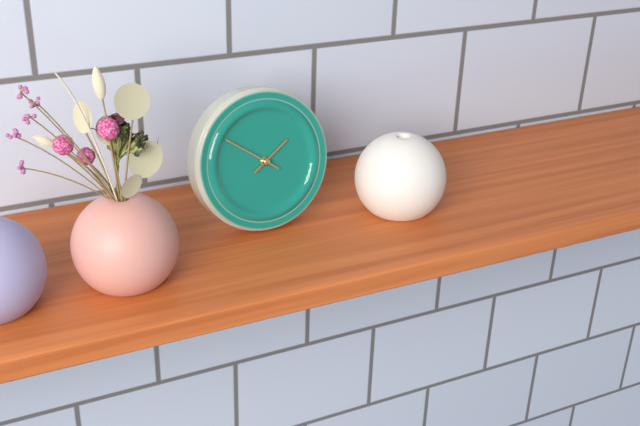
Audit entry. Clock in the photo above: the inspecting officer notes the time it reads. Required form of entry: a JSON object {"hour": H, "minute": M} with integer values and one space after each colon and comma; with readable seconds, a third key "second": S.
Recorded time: {"hour": 1, "minute": 51}
